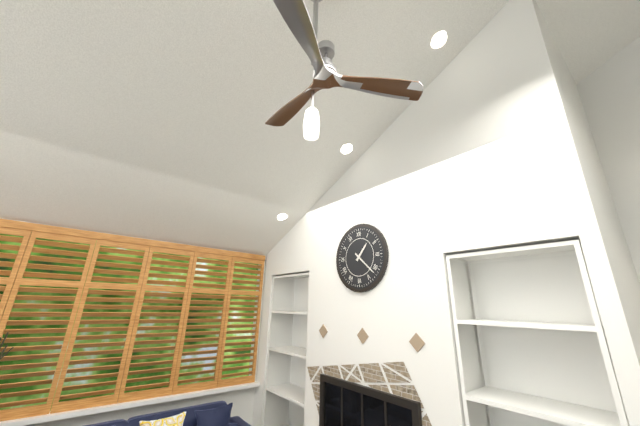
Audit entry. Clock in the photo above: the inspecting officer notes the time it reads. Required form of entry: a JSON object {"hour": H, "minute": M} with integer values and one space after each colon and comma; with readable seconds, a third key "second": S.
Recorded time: {"hour": 1, "minute": 22}
